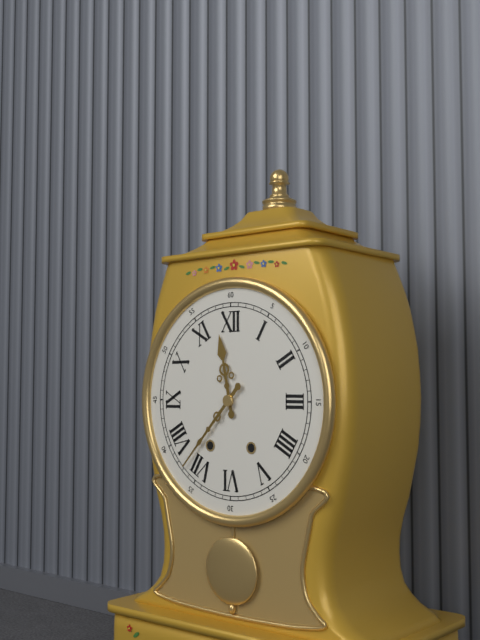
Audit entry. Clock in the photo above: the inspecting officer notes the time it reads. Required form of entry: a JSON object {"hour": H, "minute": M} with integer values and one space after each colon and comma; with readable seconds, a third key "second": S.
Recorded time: {"hour": 11, "minute": 37}
